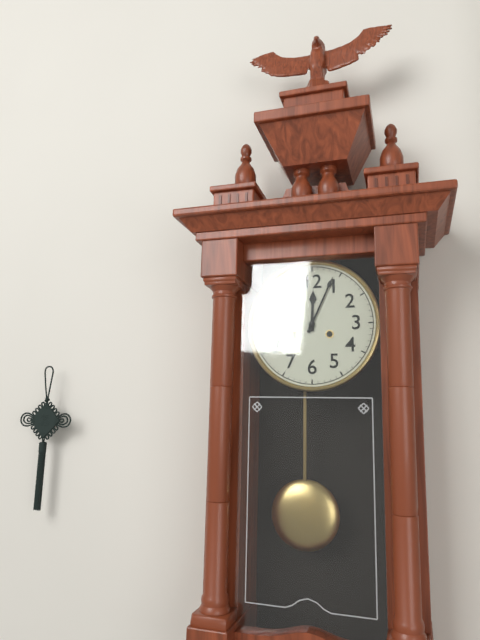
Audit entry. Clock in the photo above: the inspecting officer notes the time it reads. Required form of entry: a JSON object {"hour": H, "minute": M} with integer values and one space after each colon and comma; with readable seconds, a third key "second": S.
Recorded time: {"hour": 12, "minute": 4}
